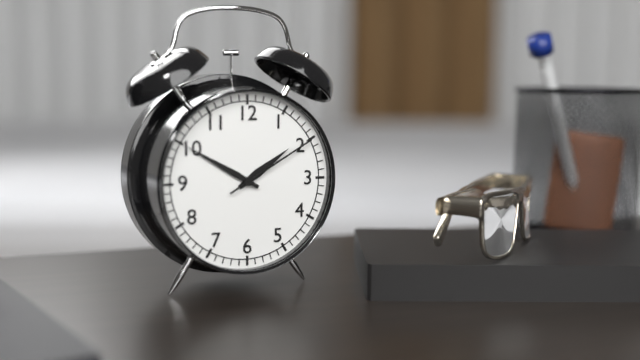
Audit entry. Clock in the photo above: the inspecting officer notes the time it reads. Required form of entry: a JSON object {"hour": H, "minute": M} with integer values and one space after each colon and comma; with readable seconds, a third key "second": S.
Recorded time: {"hour": 1, "minute": 50, "second": 10}
